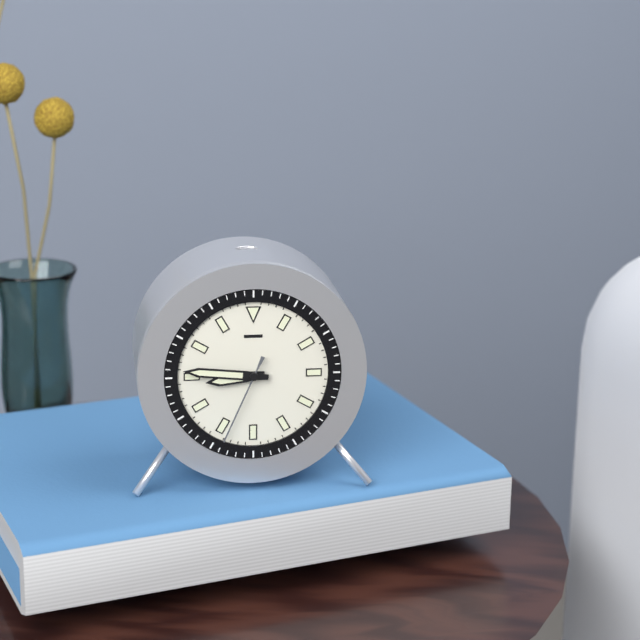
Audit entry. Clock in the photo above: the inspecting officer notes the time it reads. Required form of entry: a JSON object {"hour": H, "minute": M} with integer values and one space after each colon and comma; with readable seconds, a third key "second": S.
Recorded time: {"hour": 8, "minute": 46, "second": 34}
